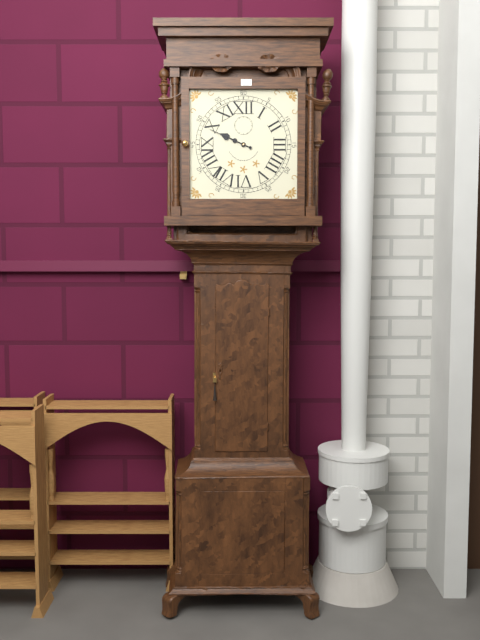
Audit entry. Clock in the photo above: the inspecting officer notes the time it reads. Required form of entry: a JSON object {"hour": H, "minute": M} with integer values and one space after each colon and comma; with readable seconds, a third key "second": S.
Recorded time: {"hour": 9, "minute": 49}
